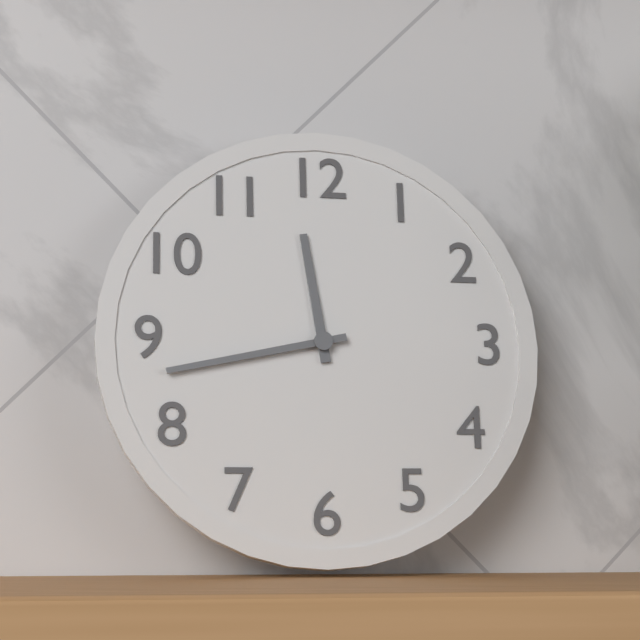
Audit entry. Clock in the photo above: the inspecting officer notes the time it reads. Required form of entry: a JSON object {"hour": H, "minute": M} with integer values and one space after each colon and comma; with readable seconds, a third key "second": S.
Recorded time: {"hour": 11, "minute": 43}
